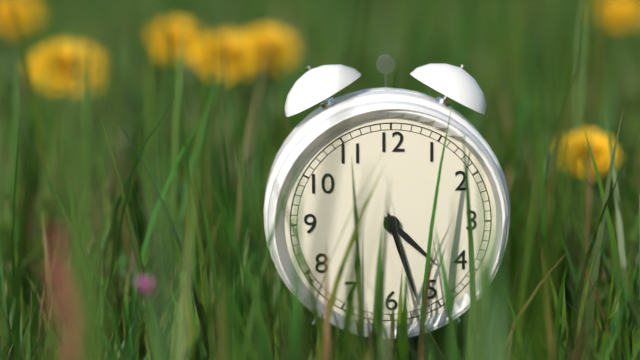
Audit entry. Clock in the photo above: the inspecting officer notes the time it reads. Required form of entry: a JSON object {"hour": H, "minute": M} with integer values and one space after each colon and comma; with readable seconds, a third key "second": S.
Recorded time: {"hour": 4, "minute": 27}
